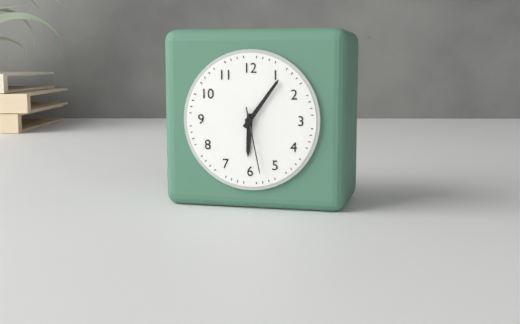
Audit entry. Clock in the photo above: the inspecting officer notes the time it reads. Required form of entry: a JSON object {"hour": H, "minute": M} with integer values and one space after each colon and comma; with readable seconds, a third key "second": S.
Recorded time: {"hour": 6, "minute": 6, "second": 28}
